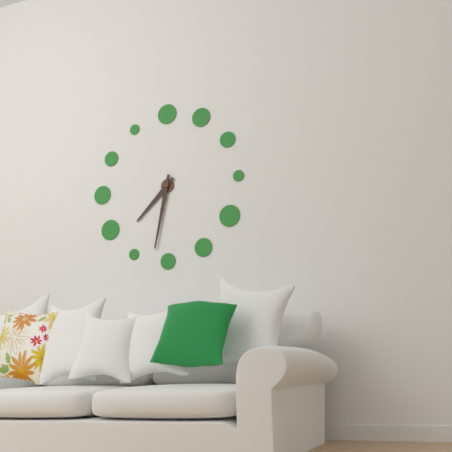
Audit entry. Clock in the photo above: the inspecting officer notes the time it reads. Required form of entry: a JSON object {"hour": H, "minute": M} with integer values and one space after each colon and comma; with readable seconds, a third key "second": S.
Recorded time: {"hour": 7, "minute": 32}
